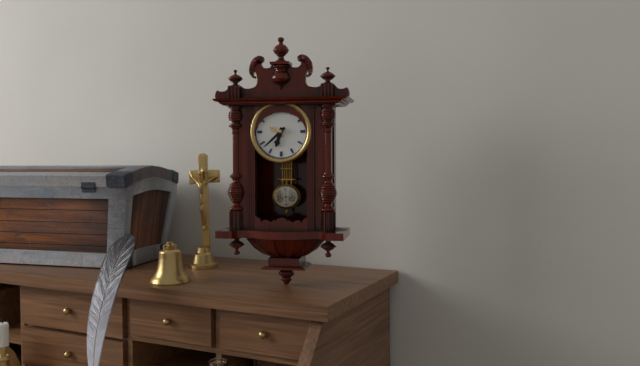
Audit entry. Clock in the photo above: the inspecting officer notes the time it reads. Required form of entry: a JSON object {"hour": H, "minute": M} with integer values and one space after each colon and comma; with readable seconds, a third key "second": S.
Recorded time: {"hour": 6, "minute": 38}
